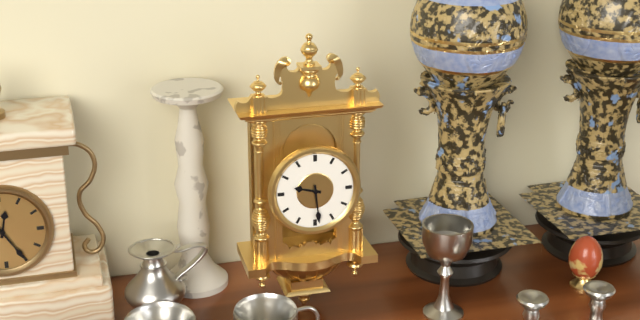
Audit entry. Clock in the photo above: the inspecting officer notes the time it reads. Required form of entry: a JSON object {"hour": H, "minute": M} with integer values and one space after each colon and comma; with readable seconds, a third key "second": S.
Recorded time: {"hour": 9, "minute": 29}
